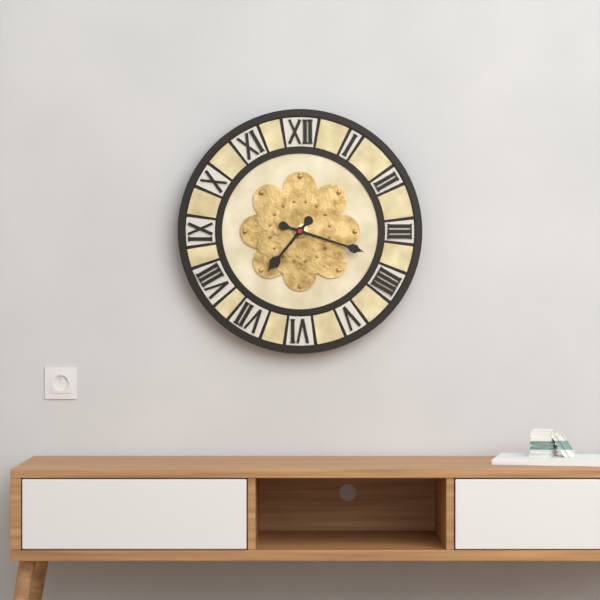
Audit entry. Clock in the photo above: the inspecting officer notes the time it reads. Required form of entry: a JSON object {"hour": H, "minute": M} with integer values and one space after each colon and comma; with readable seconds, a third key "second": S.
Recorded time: {"hour": 7, "minute": 18}
